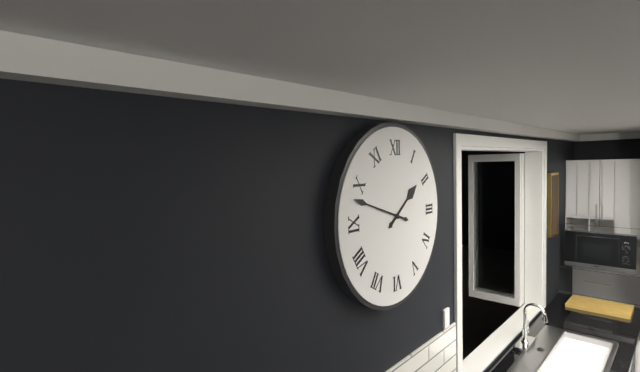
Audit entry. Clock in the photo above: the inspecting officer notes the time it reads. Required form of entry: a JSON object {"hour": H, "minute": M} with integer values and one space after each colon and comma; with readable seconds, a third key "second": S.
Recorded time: {"hour": 1, "minute": 48}
